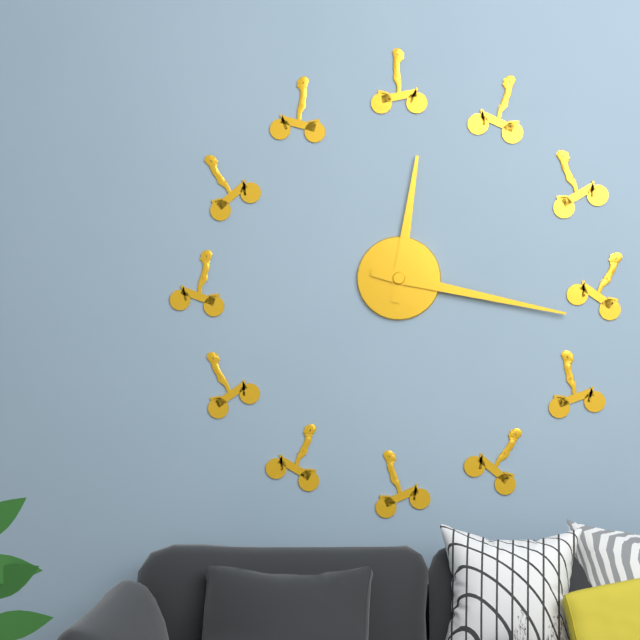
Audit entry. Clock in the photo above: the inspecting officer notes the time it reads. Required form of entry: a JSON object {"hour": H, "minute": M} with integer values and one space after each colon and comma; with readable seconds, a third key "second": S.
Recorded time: {"hour": 12, "minute": 17}
